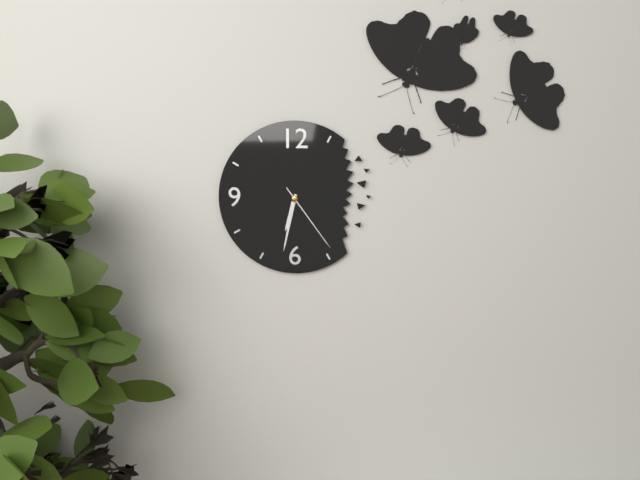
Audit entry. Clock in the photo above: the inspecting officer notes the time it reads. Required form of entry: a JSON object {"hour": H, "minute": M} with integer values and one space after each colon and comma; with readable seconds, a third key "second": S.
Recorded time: {"hour": 6, "minute": 32, "second": 24}
